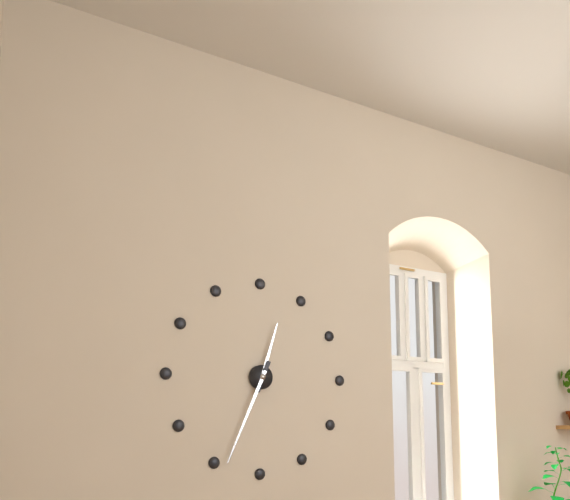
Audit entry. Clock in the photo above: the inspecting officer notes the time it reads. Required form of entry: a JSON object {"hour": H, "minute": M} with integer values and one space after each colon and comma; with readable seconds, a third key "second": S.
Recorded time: {"hour": 12, "minute": 34}
